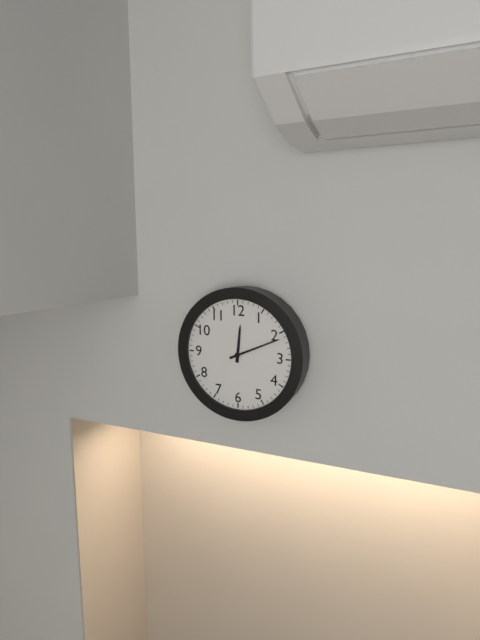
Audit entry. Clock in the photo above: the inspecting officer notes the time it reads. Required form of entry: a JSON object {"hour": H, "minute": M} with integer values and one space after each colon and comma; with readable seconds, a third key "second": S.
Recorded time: {"hour": 12, "minute": 11}
